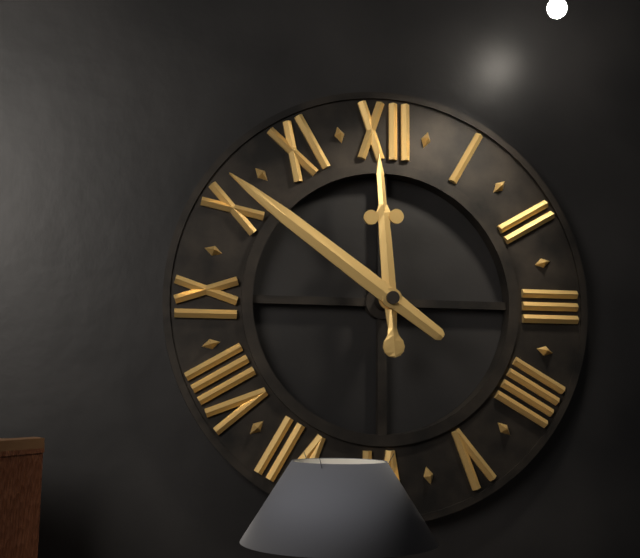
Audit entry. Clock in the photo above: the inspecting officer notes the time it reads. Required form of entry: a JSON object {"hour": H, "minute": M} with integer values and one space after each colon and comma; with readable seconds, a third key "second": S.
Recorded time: {"hour": 11, "minute": 51}
